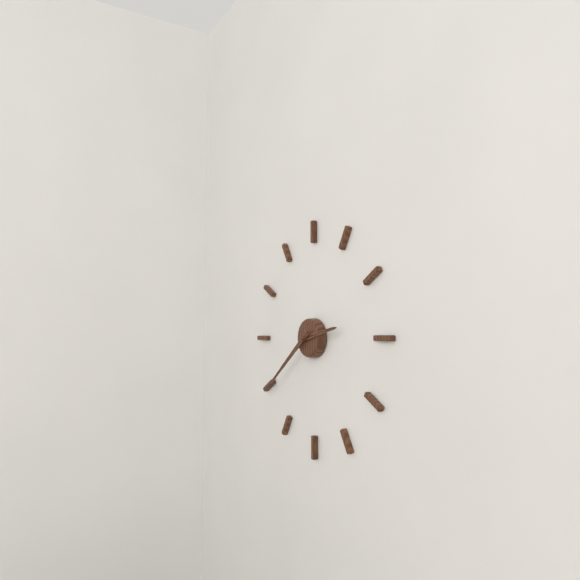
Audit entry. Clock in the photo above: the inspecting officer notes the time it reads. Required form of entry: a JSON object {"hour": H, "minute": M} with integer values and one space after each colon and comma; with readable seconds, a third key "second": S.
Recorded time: {"hour": 2, "minute": 39}
